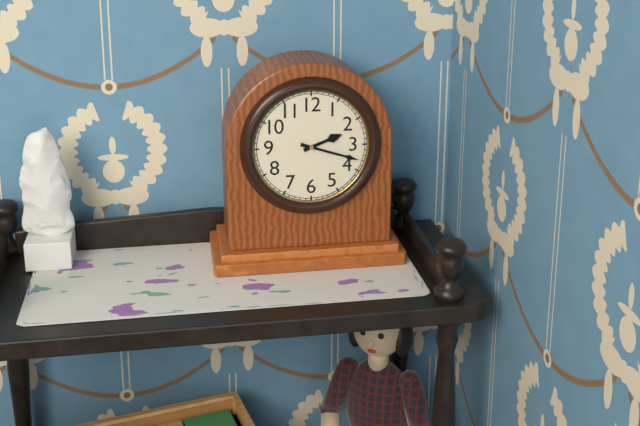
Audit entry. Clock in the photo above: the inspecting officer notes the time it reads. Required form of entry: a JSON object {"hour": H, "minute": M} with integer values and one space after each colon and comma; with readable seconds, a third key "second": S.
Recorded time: {"hour": 2, "minute": 18}
